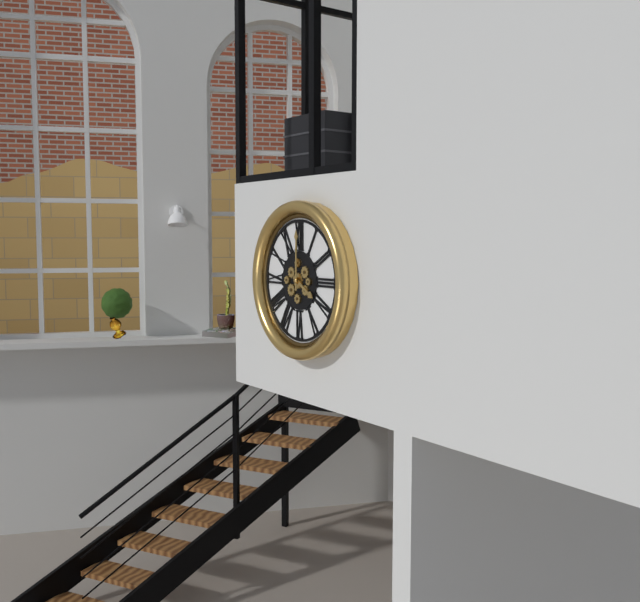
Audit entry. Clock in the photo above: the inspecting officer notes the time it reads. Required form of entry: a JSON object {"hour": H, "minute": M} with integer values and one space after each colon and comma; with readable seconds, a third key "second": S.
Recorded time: {"hour": 4, "minute": 0}
